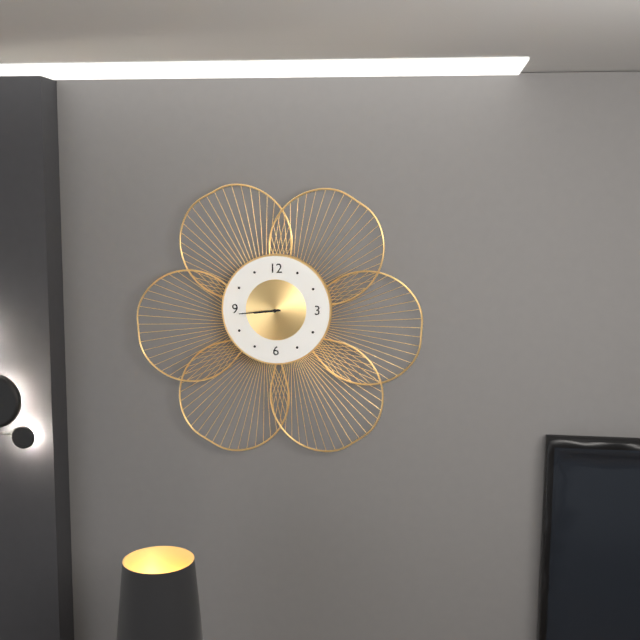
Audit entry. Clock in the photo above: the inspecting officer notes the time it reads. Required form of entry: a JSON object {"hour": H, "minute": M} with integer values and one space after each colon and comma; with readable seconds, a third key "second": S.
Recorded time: {"hour": 8, "minute": 44}
